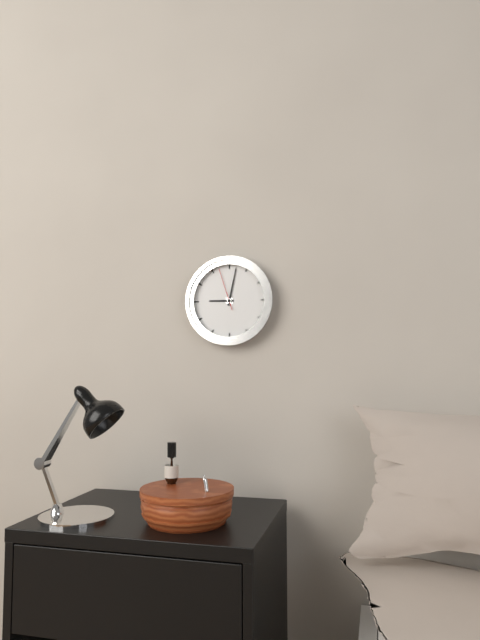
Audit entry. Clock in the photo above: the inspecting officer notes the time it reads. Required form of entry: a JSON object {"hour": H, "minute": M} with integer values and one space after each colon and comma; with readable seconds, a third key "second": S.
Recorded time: {"hour": 9, "minute": 2}
